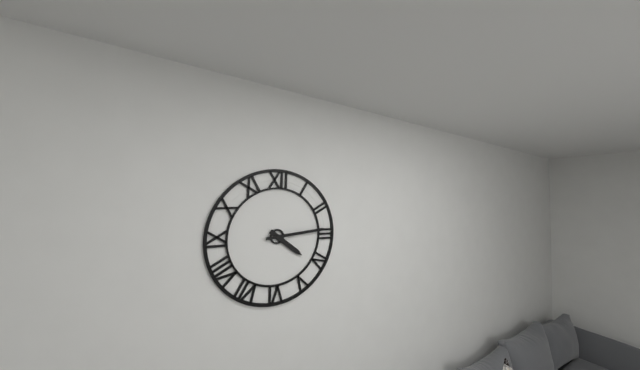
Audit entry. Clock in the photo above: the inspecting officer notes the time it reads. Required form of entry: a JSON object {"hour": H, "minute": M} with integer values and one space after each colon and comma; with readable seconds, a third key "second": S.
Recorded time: {"hour": 4, "minute": 14}
